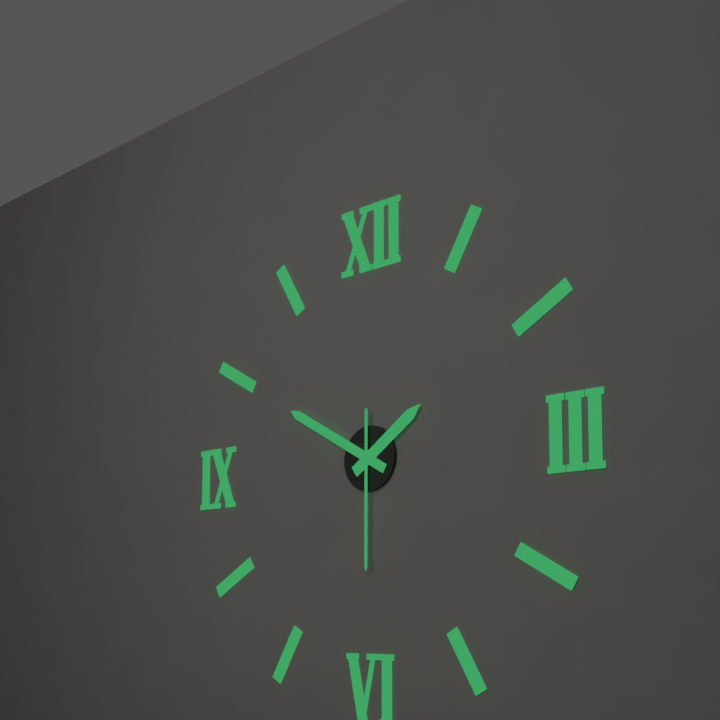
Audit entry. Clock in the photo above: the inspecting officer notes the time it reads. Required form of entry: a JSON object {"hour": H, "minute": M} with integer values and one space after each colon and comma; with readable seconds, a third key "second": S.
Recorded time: {"hour": 1, "minute": 50, "second": 30}
